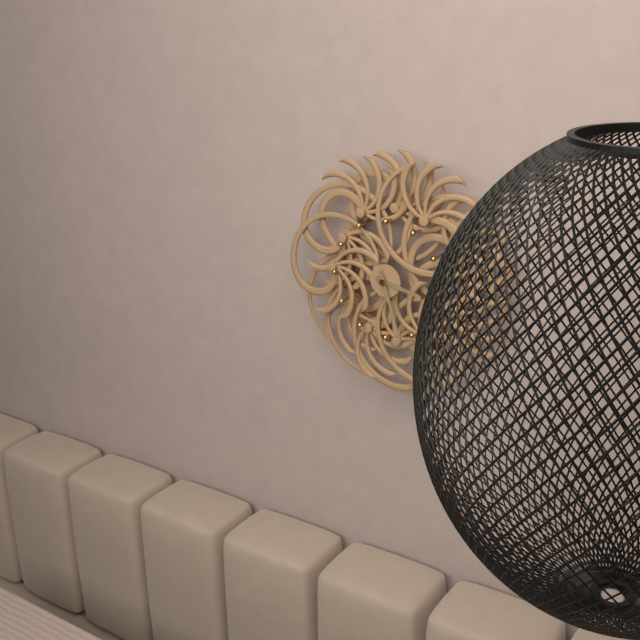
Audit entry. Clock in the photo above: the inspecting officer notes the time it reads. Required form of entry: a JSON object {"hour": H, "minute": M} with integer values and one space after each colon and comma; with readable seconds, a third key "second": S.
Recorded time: {"hour": 3, "minute": 27}
